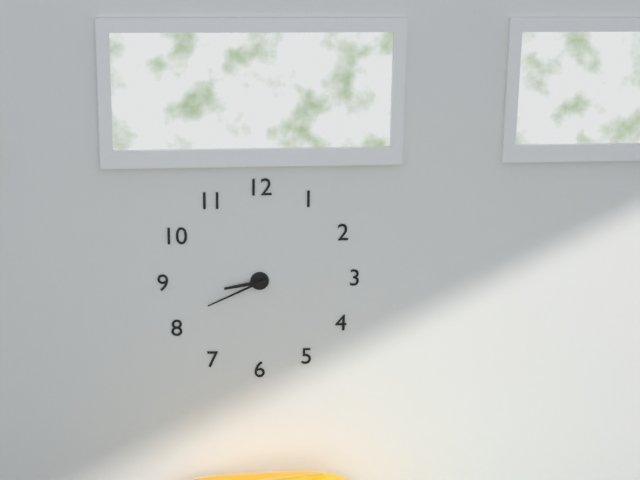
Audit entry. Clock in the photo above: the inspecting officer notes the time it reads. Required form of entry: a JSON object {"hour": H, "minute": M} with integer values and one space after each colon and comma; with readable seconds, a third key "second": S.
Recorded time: {"hour": 8, "minute": 41}
